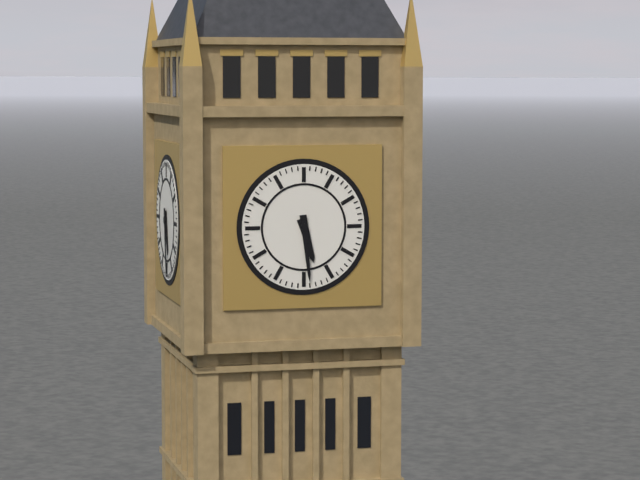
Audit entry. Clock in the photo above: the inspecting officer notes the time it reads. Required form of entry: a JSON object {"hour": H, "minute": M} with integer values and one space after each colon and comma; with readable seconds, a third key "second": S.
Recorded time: {"hour": 5, "minute": 29}
